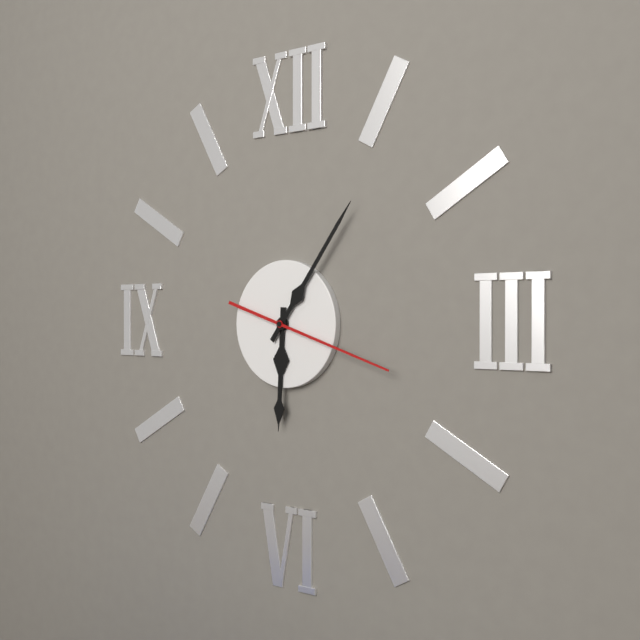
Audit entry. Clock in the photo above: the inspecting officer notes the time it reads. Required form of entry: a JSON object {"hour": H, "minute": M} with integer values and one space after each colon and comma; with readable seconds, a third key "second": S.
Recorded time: {"hour": 6, "minute": 6, "second": 18}
